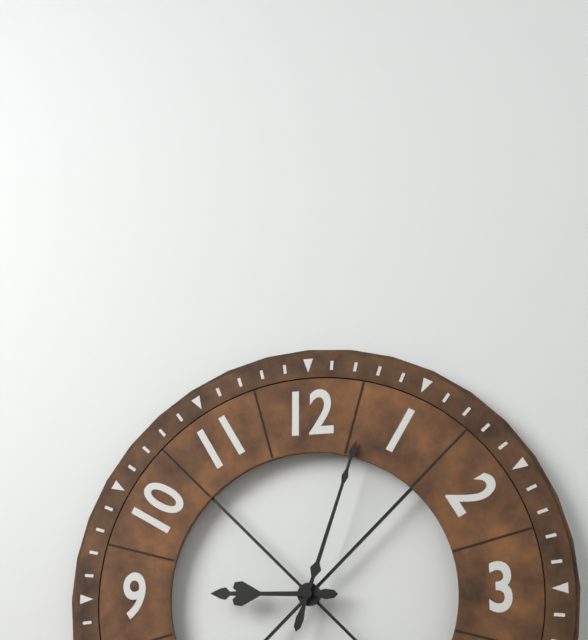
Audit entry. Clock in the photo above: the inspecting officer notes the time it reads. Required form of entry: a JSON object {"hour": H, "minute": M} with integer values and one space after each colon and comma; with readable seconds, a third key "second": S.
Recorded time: {"hour": 9, "minute": 3}
